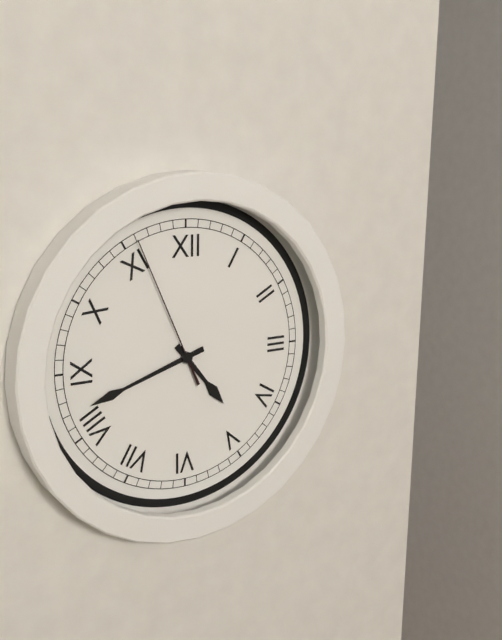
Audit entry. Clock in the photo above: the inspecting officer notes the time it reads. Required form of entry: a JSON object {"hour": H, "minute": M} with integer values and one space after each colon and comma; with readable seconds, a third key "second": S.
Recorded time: {"hour": 4, "minute": 42, "second": 56}
